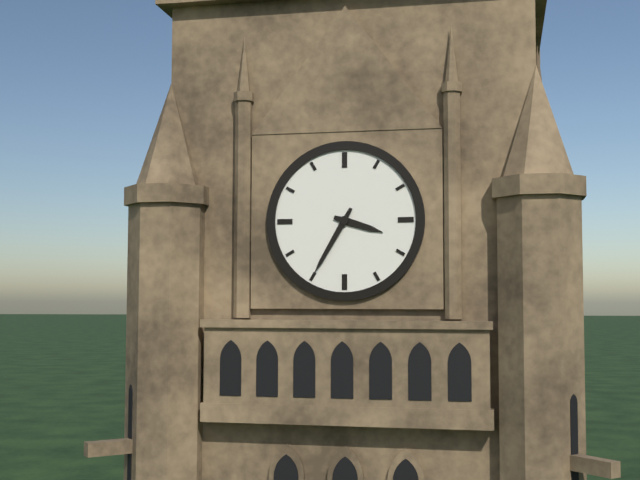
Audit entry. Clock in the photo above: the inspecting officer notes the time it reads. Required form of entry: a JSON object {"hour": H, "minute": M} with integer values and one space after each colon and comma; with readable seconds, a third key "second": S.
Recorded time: {"hour": 3, "minute": 35}
